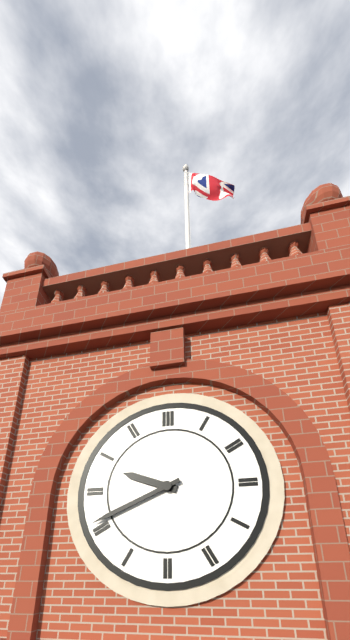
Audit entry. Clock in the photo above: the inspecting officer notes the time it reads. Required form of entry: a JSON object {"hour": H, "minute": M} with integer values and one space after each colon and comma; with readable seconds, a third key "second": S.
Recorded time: {"hour": 9, "minute": 41}
